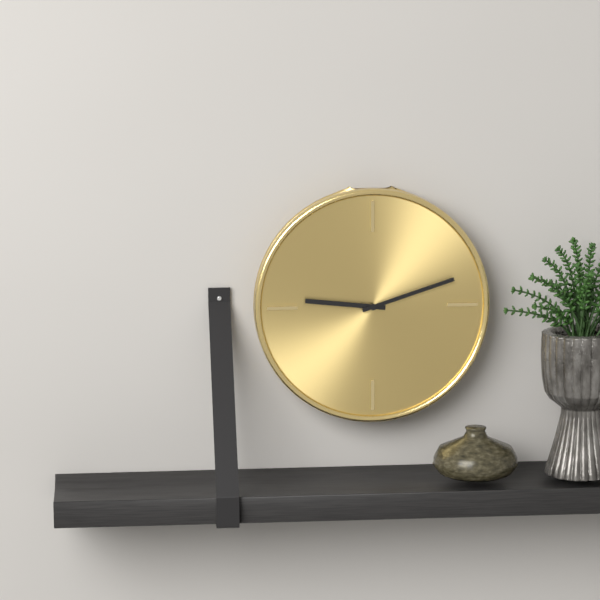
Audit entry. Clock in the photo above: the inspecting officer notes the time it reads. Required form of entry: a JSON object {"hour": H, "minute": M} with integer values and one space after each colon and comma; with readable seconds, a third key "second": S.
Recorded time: {"hour": 9, "minute": 12}
